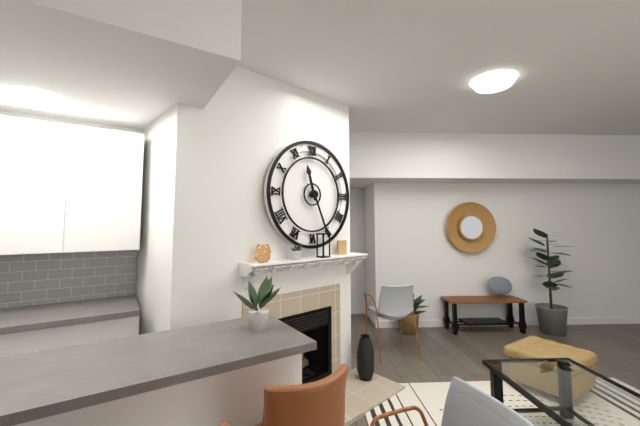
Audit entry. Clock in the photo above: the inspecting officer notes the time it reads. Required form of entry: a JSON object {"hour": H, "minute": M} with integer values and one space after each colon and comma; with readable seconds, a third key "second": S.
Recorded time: {"hour": 11, "minute": 26}
